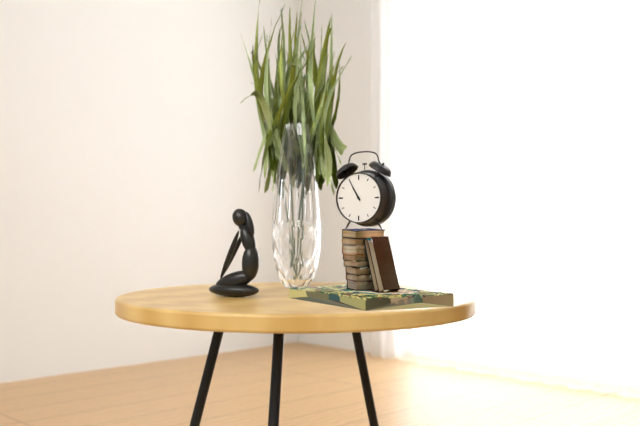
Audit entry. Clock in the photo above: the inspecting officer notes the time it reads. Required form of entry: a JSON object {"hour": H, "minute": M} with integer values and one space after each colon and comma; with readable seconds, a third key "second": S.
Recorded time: {"hour": 10, "minute": 55}
